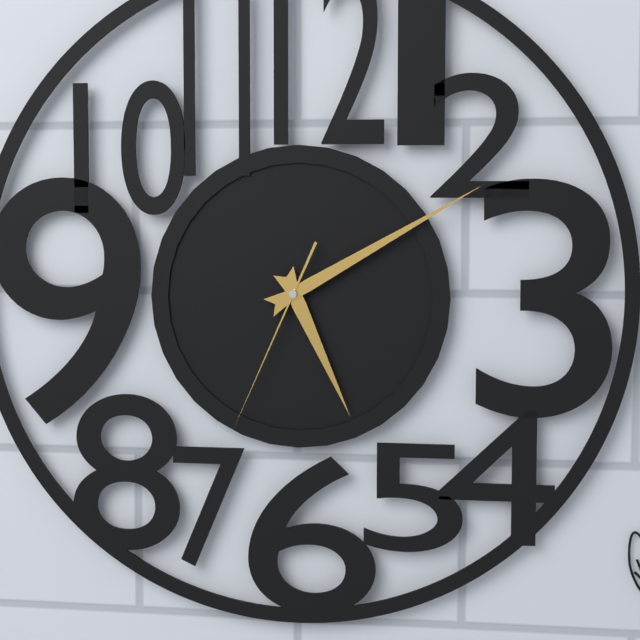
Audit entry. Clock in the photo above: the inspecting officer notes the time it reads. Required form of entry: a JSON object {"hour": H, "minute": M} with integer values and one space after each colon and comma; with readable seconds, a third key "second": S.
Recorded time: {"hour": 5, "minute": 10, "second": 34}
